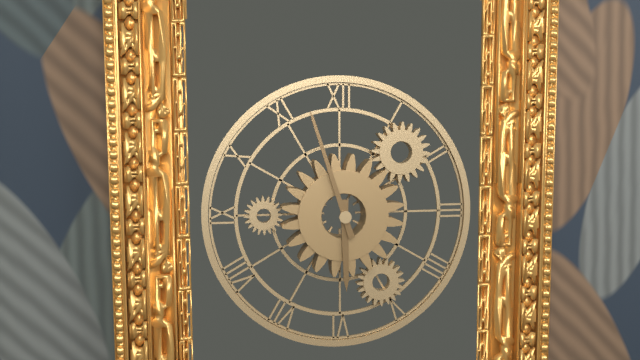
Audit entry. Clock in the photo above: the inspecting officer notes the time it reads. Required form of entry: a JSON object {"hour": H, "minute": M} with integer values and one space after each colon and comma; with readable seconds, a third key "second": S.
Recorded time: {"hour": 5, "minute": 57}
